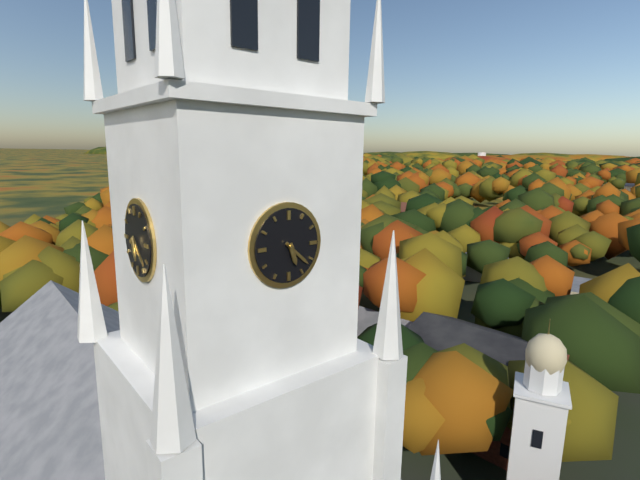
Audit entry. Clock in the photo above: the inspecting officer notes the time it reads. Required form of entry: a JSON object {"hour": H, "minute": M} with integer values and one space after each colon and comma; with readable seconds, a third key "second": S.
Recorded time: {"hour": 5, "minute": 22}
